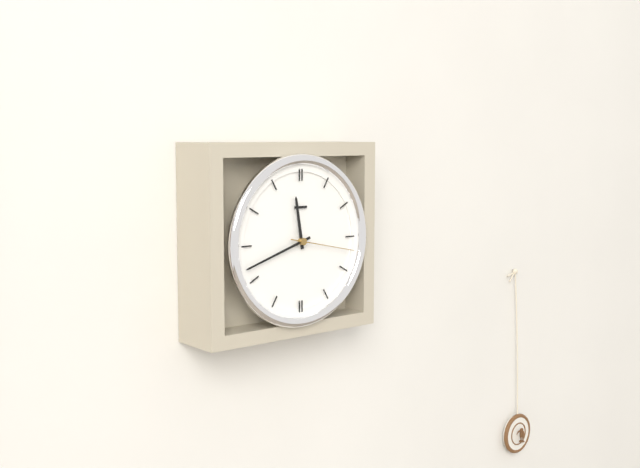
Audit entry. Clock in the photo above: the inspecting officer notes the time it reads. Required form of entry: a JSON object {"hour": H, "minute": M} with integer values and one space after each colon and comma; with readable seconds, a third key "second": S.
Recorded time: {"hour": 11, "minute": 42, "second": 17}
